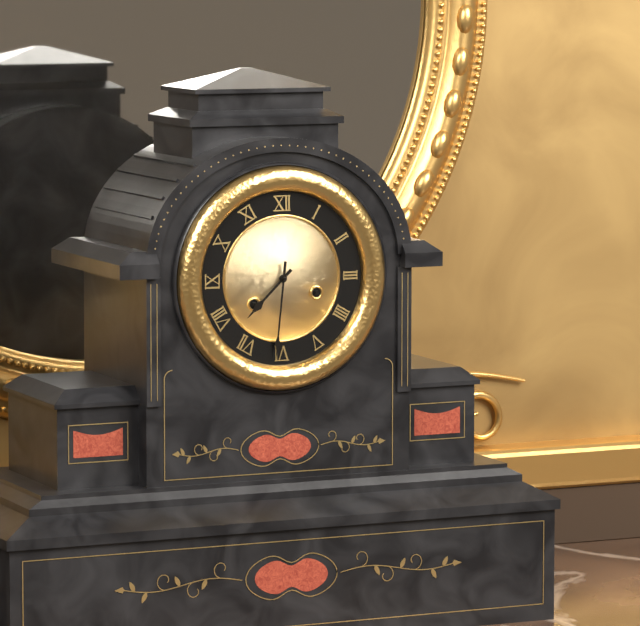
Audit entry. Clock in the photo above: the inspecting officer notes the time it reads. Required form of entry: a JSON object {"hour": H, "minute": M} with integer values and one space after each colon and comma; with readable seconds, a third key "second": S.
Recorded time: {"hour": 7, "minute": 31}
